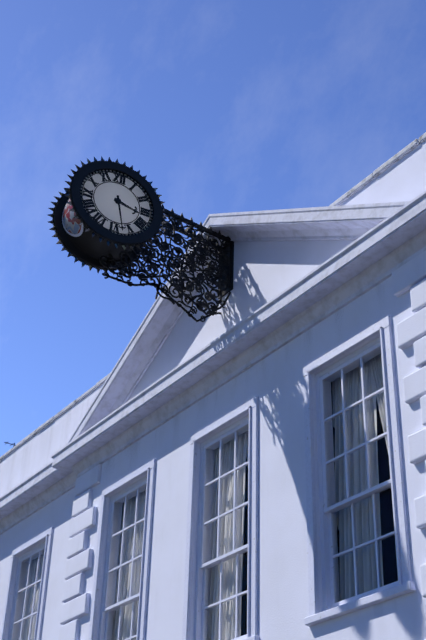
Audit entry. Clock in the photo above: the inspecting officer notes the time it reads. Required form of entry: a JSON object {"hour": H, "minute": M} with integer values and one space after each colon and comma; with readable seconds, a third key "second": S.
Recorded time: {"hour": 3, "minute": 28}
